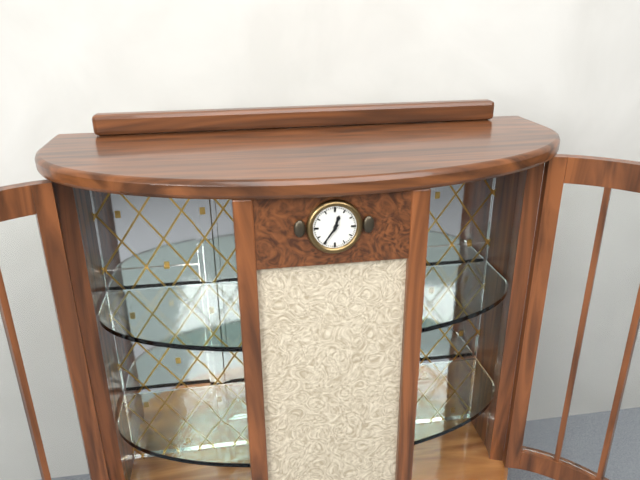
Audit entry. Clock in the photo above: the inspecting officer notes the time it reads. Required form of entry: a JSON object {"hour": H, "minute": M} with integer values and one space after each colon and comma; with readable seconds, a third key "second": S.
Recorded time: {"hour": 12, "minute": 36}
